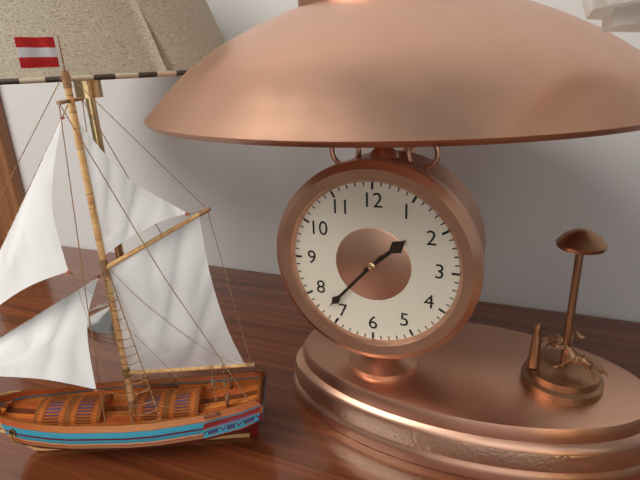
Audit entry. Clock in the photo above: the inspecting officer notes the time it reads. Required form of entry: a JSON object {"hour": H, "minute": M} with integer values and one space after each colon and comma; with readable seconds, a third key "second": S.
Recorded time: {"hour": 1, "minute": 37}
